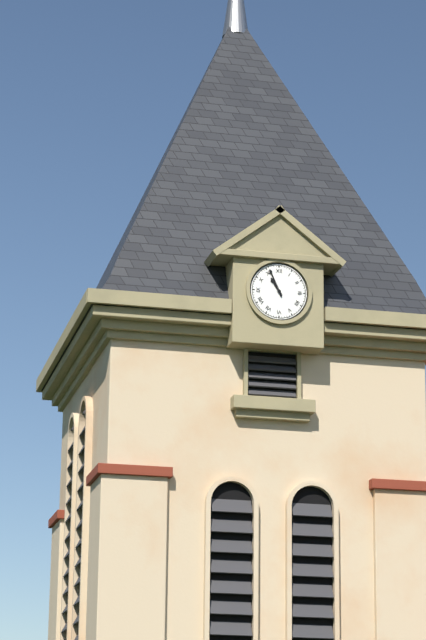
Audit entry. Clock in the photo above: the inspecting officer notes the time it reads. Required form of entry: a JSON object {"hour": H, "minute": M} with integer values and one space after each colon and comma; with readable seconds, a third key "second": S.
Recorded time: {"hour": 10, "minute": 56}
